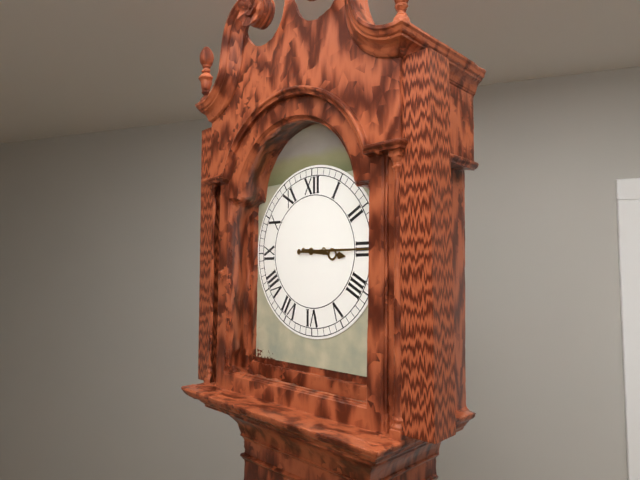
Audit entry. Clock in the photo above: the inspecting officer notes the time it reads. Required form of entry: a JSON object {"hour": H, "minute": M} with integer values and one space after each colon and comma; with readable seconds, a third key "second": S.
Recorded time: {"hour": 3, "minute": 15}
